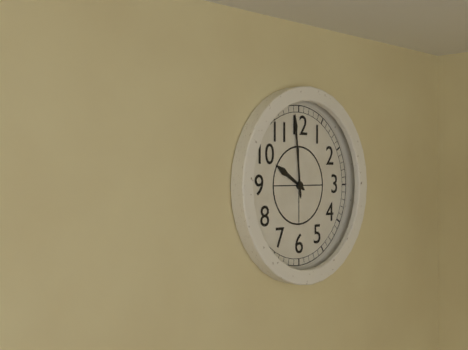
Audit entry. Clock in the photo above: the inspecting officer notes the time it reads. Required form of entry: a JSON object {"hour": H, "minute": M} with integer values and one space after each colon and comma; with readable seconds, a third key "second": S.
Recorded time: {"hour": 9, "minute": 59}
